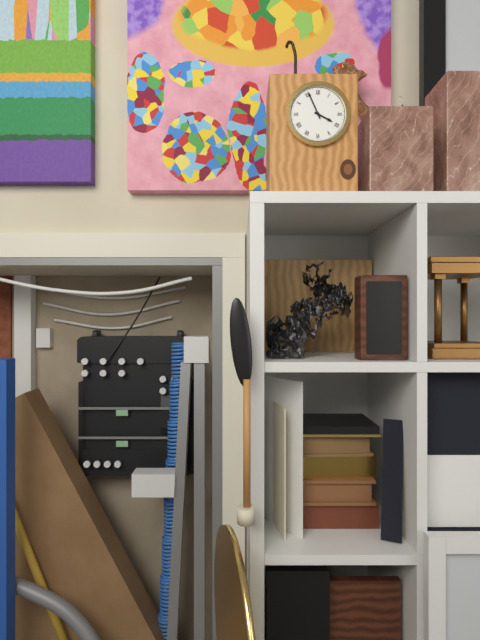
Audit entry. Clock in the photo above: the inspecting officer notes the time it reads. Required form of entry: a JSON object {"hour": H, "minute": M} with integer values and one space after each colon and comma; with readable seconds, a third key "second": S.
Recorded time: {"hour": 3, "minute": 56}
